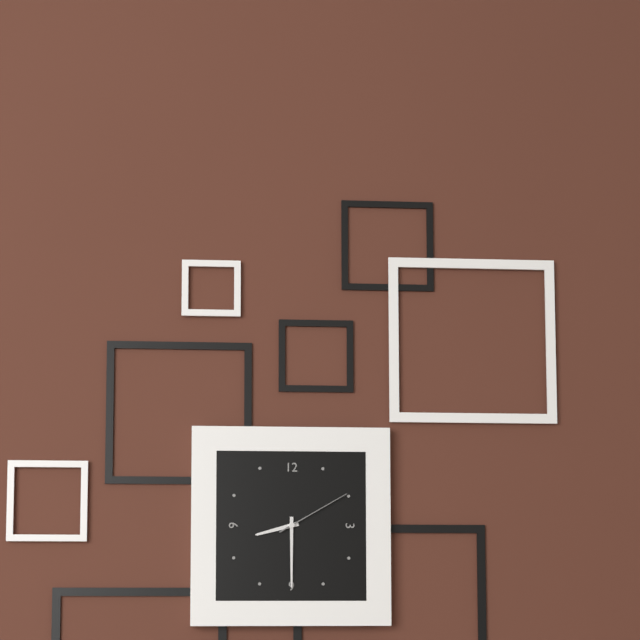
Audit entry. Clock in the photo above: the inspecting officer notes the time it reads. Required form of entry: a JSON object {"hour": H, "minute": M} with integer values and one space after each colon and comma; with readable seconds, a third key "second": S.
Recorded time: {"hour": 8, "minute": 30, "second": 10}
